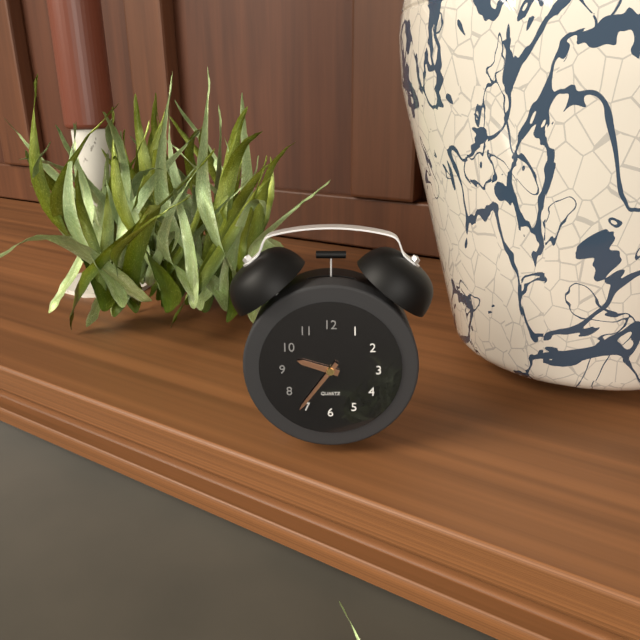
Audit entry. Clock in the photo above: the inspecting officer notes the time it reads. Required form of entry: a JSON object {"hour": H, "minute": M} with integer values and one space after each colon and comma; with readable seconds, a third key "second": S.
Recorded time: {"hour": 9, "minute": 36}
